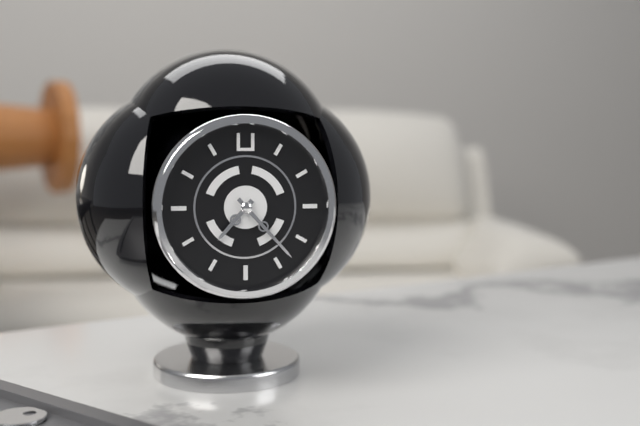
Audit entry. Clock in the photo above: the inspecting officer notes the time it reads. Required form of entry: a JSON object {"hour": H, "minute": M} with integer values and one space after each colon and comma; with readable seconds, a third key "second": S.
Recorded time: {"hour": 7, "minute": 23}
